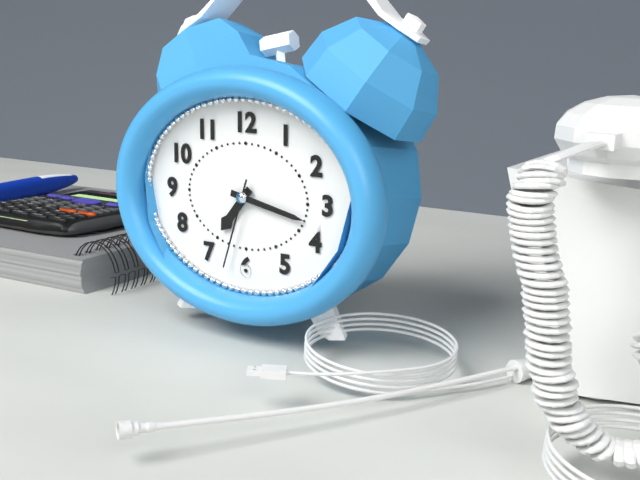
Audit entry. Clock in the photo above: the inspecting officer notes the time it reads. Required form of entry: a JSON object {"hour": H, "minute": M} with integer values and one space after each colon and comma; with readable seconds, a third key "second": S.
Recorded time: {"hour": 7, "minute": 17, "second": 33}
